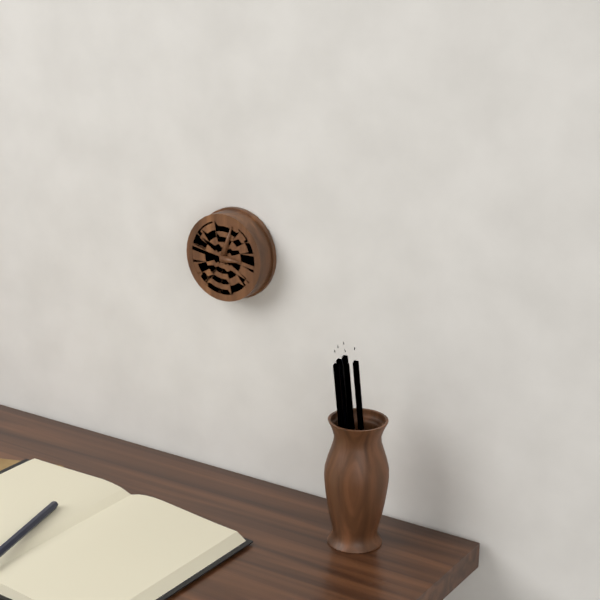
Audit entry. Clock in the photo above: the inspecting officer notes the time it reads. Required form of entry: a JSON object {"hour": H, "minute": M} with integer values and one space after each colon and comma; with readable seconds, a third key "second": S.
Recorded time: {"hour": 3, "minute": 3}
